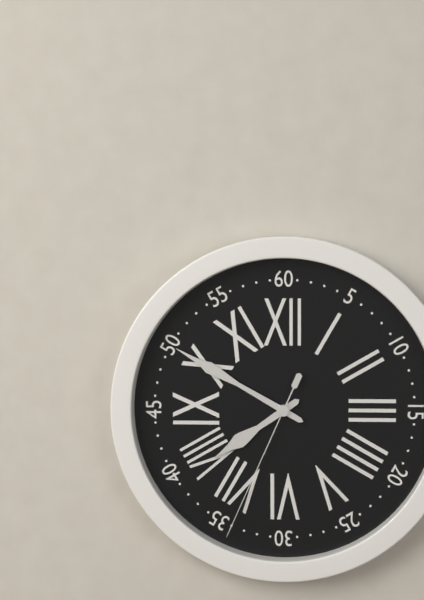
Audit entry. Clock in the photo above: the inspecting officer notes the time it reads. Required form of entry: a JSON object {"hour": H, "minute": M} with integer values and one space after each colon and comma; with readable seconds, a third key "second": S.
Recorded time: {"hour": 7, "minute": 50, "second": 34}
